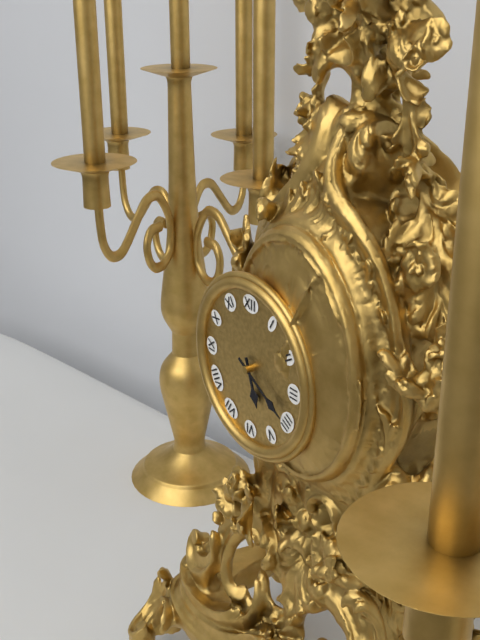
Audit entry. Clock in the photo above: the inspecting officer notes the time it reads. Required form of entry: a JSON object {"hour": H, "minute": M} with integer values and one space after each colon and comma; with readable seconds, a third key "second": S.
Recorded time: {"hour": 5, "minute": 20}
